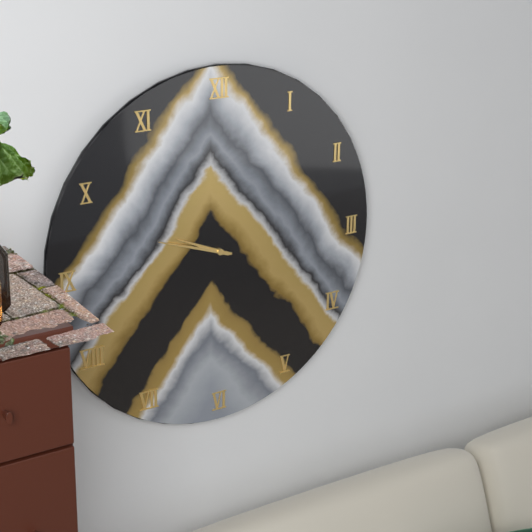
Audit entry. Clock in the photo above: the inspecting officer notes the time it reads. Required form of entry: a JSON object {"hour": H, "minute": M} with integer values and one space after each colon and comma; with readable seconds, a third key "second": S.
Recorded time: {"hour": 9, "minute": 48}
